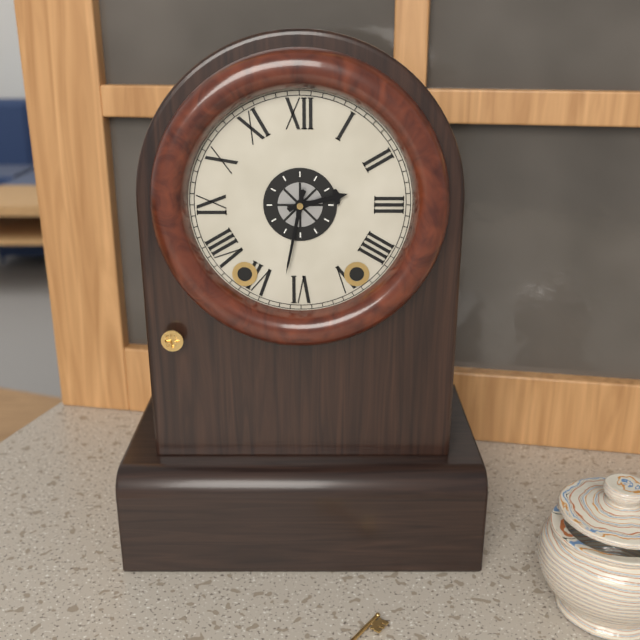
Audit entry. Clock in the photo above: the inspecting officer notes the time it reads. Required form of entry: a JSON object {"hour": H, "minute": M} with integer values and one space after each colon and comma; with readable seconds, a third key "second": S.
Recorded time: {"hour": 2, "minute": 32}
